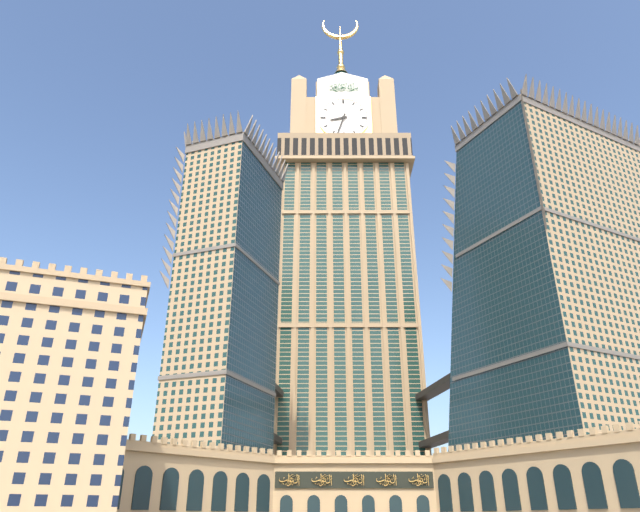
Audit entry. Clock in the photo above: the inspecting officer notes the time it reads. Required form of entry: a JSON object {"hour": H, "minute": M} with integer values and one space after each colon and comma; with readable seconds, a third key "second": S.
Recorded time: {"hour": 8, "minute": 33}
